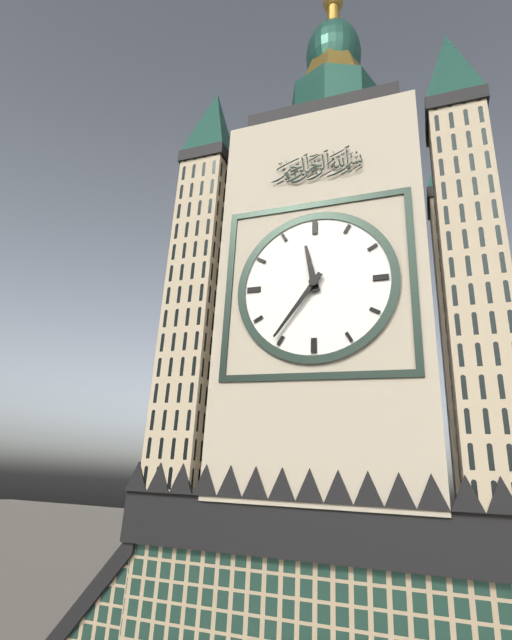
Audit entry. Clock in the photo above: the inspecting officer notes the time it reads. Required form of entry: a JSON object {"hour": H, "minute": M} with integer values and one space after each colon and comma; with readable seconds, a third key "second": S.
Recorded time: {"hour": 11, "minute": 36}
